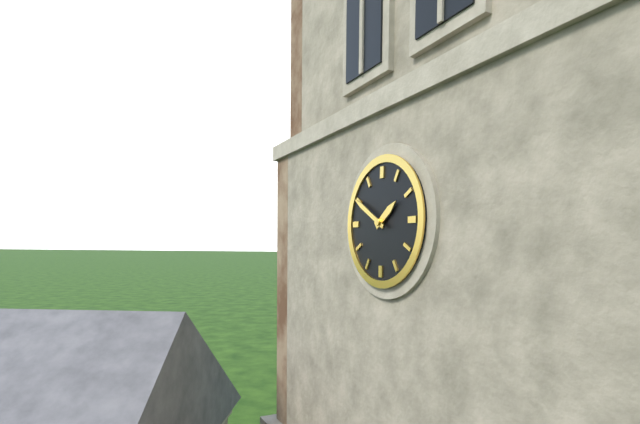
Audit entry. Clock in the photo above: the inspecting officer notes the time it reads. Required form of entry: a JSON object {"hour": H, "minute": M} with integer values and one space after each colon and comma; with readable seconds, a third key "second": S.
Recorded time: {"hour": 1, "minute": 50}
